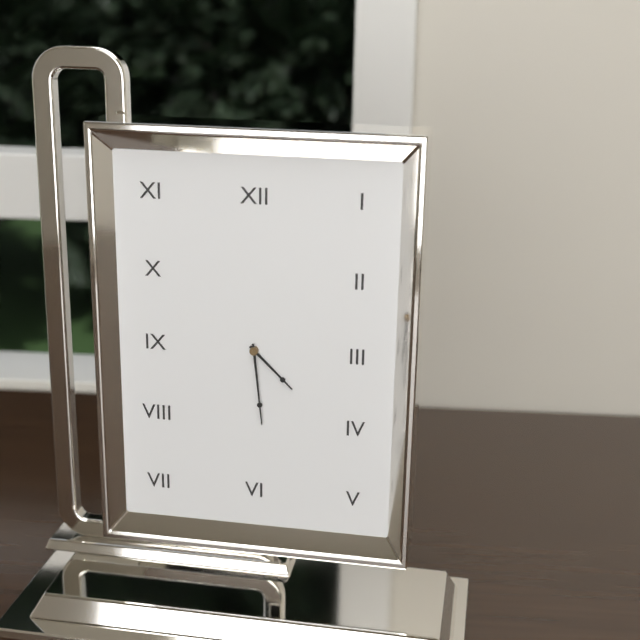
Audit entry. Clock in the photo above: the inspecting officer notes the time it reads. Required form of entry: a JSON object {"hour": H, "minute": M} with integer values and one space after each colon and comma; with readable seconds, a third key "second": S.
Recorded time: {"hour": 4, "minute": 29}
